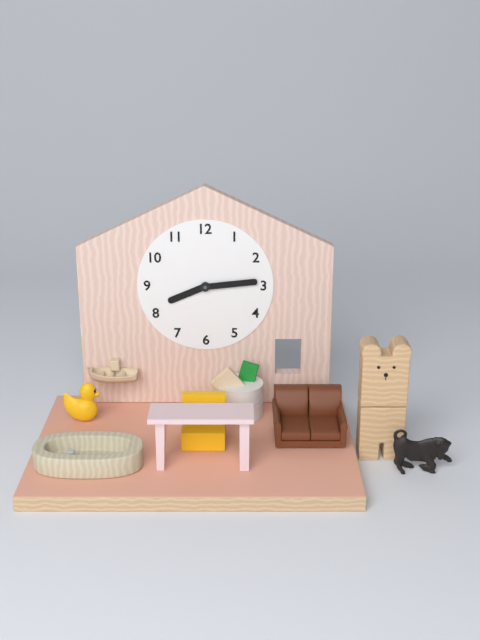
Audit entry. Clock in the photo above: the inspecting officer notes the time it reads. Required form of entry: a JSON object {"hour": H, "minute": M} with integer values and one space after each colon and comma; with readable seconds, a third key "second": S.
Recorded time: {"hour": 8, "minute": 14}
